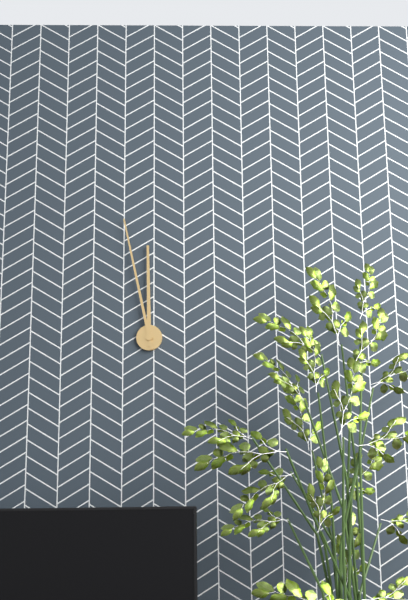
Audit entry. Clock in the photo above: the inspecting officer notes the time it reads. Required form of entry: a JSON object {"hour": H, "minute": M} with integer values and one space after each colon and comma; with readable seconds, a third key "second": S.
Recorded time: {"hour": 11, "minute": 58}
